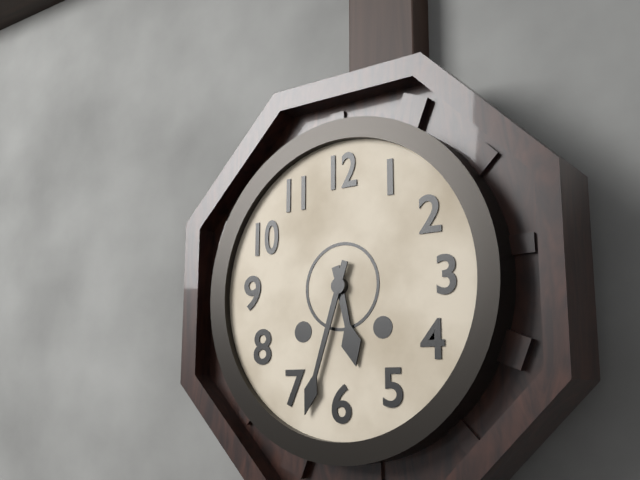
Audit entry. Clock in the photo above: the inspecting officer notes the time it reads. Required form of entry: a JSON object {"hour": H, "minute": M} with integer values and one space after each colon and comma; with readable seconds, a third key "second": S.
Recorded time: {"hour": 5, "minute": 33}
